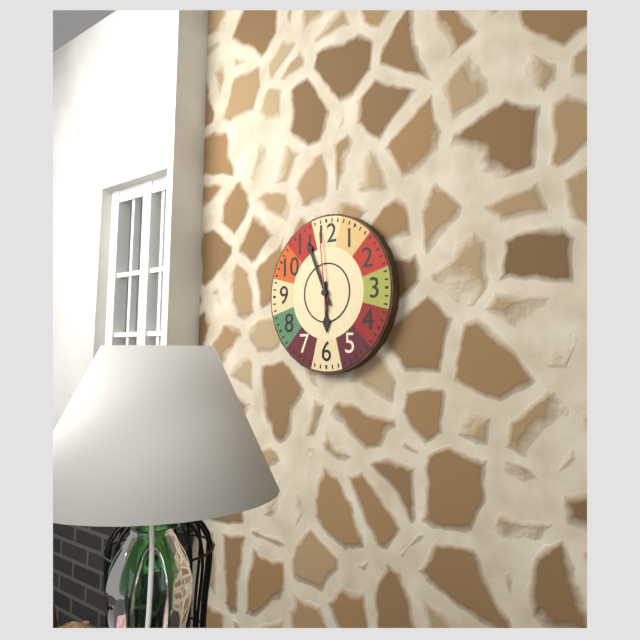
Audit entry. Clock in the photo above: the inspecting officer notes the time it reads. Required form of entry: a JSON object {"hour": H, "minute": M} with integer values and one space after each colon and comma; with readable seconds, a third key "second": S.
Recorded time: {"hour": 5, "minute": 56, "second": 59}
